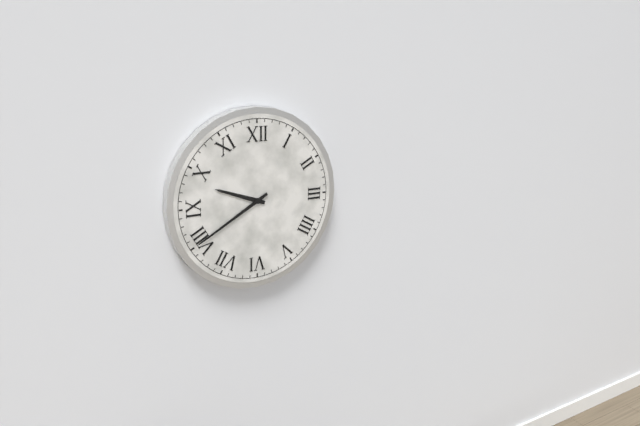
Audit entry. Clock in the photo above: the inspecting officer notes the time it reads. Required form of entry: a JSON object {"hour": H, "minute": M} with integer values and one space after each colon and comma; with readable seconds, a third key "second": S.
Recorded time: {"hour": 9, "minute": 40}
